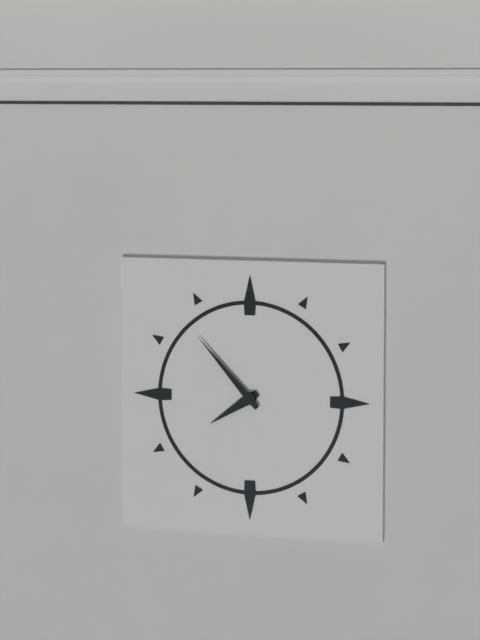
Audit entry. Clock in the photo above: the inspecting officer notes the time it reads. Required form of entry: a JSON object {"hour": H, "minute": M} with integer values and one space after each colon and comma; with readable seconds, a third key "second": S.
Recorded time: {"hour": 7, "minute": 53}
